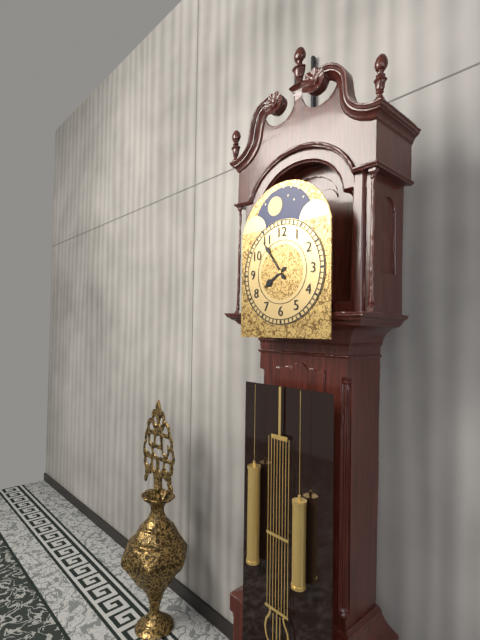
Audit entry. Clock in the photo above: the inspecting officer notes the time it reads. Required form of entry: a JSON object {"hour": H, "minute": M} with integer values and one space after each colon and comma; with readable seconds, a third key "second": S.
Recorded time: {"hour": 7, "minute": 54}
